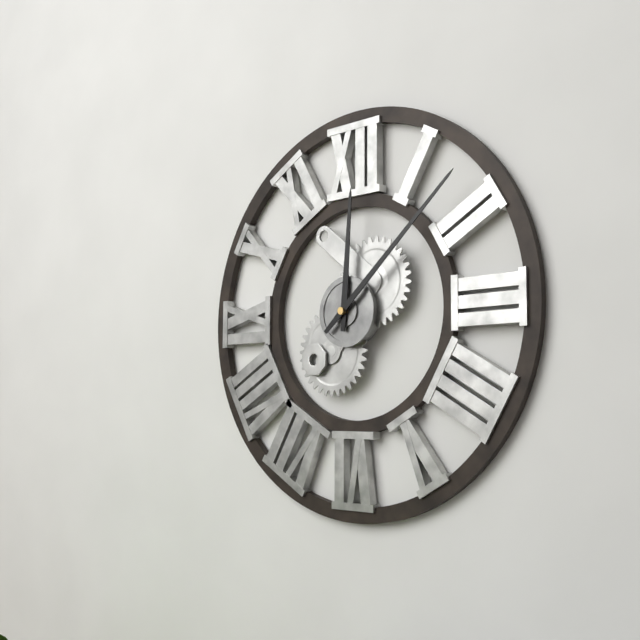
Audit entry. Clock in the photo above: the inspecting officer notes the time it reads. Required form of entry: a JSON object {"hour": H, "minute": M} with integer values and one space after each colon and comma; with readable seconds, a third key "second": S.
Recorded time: {"hour": 12, "minute": 8}
